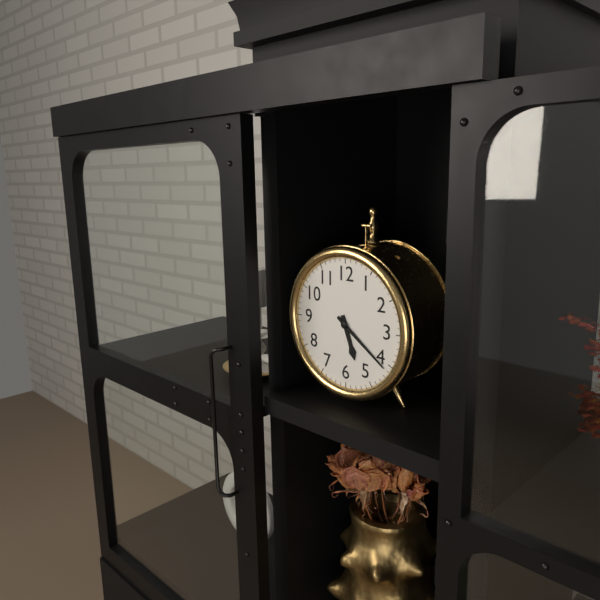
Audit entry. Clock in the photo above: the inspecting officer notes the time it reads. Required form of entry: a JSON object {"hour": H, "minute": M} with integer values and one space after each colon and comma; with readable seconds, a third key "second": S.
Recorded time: {"hour": 5, "minute": 21}
